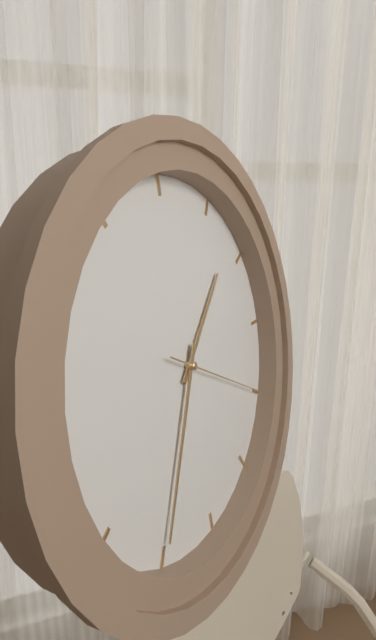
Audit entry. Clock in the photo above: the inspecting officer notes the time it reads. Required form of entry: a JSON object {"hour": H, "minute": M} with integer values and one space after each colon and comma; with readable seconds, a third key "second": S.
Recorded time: {"hour": 1, "minute": 35, "second": 20}
